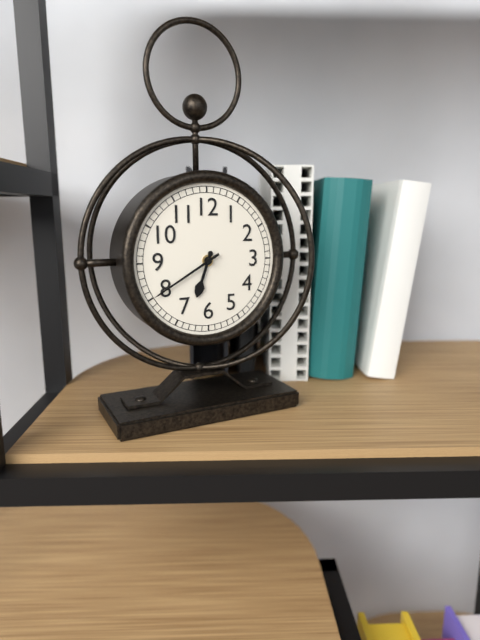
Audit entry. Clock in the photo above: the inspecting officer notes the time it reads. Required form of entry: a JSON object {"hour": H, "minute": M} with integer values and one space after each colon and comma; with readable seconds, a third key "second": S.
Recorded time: {"hour": 6, "minute": 40}
